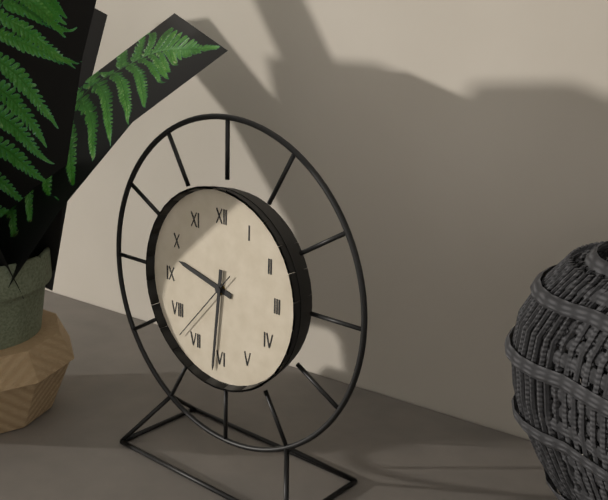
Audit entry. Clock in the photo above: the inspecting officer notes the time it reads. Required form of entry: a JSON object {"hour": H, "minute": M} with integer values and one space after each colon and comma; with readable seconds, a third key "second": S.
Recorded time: {"hour": 9, "minute": 31, "second": 37}
